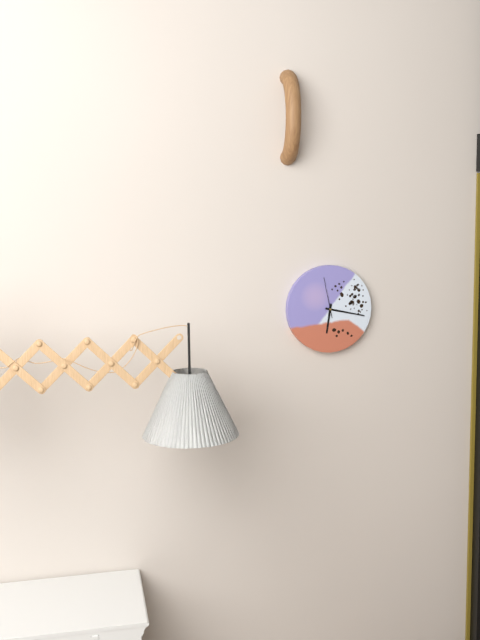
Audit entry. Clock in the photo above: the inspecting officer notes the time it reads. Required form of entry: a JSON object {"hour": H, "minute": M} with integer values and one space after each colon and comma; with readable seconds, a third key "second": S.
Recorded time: {"hour": 6, "minute": 17}
